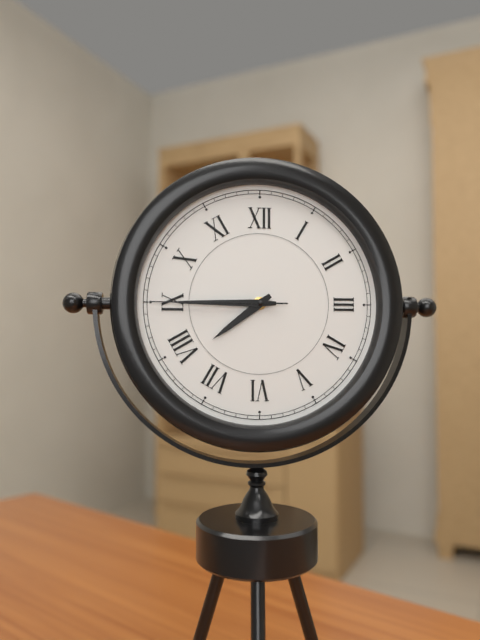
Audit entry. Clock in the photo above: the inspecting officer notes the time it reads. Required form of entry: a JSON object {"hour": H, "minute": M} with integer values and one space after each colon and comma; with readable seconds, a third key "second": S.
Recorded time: {"hour": 7, "minute": 45, "second": 45}
